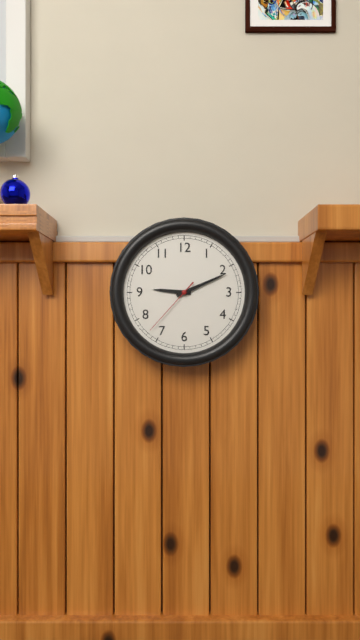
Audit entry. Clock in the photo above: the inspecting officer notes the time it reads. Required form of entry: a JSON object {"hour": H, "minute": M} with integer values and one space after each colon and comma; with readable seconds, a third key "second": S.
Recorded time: {"hour": 9, "minute": 11, "second": 37}
